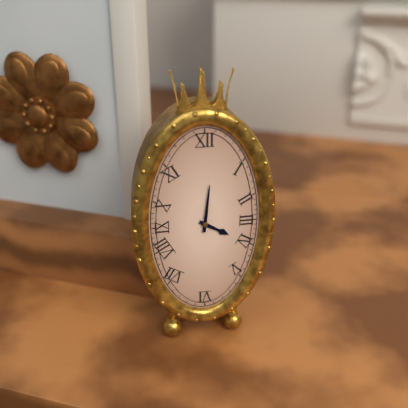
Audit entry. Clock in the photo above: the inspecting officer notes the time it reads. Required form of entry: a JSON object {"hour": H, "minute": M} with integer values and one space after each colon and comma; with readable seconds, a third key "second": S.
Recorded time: {"hour": 4, "minute": 1}
